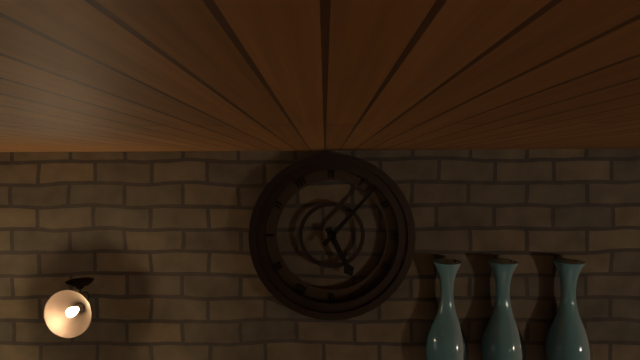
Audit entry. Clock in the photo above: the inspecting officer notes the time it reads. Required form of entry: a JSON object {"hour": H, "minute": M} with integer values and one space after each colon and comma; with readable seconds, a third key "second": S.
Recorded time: {"hour": 5, "minute": 7}
